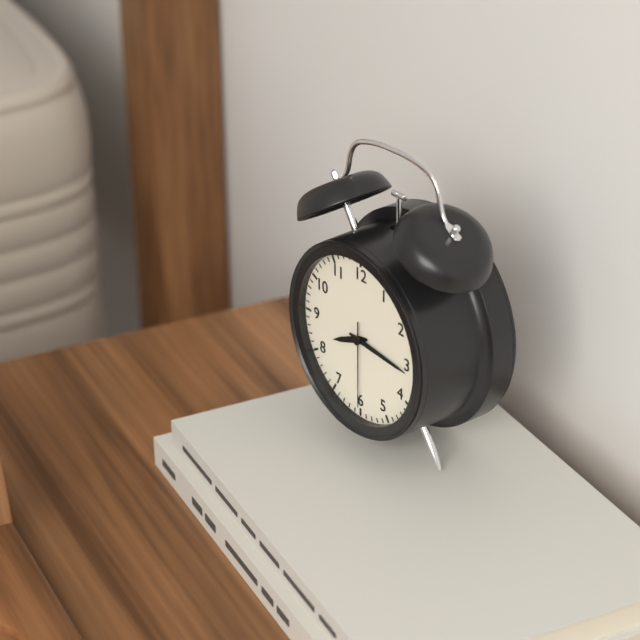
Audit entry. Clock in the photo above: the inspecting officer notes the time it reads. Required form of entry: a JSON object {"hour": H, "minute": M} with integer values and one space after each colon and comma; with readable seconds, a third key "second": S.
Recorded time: {"hour": 8, "minute": 16, "second": 30}
